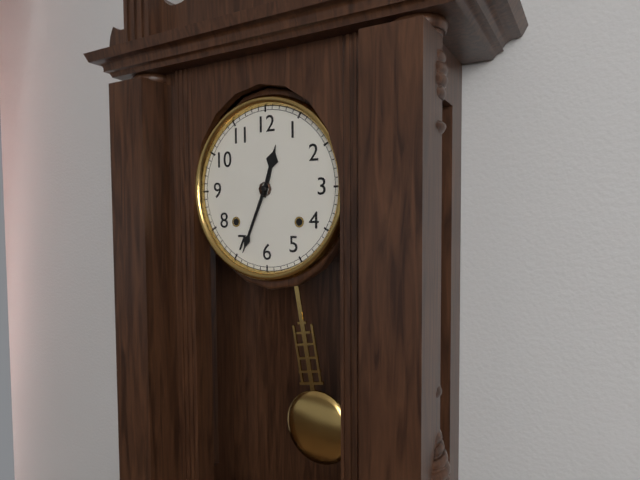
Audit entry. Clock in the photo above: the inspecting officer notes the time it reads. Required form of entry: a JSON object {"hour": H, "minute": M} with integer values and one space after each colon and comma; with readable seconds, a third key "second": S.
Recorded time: {"hour": 12, "minute": 34}
